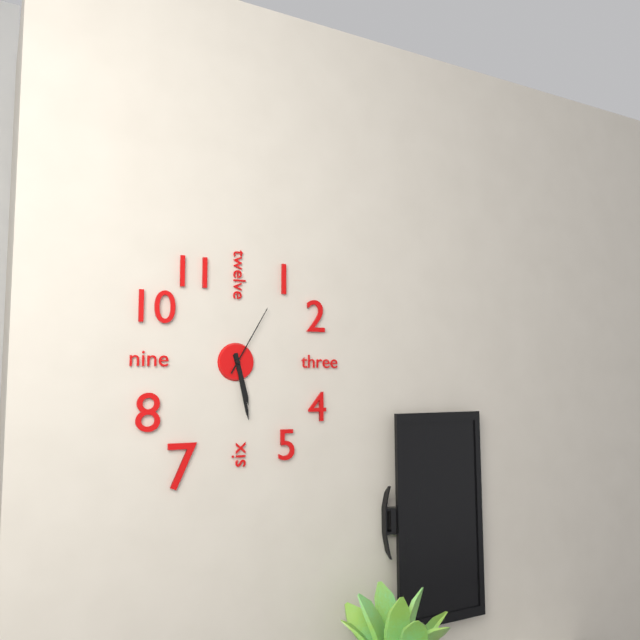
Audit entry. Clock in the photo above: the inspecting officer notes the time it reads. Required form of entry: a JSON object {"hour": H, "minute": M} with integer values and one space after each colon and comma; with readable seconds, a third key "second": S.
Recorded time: {"hour": 5, "minute": 28, "second": 5}
